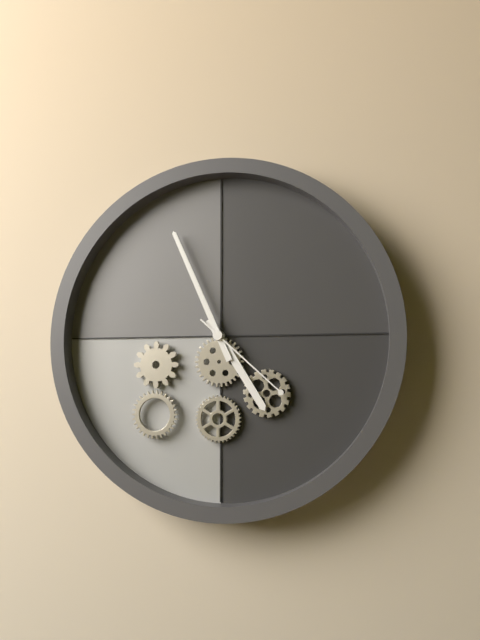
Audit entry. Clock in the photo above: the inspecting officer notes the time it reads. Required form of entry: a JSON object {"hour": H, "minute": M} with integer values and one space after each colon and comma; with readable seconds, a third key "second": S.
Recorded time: {"hour": 4, "minute": 56, "second": 22}
